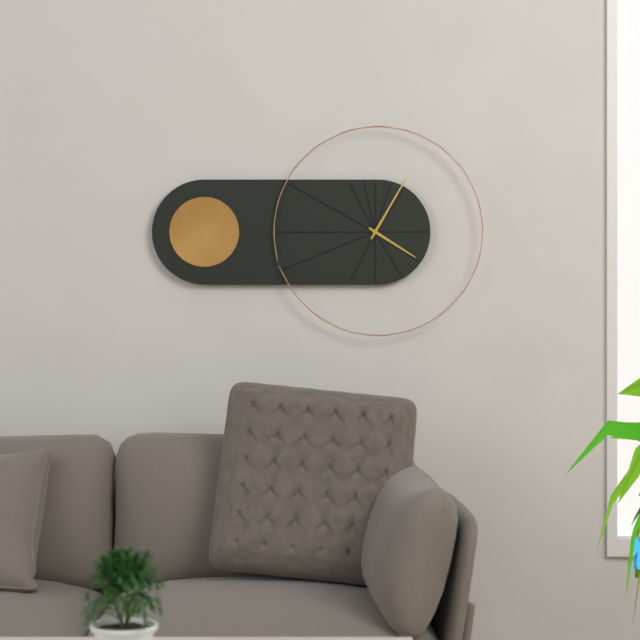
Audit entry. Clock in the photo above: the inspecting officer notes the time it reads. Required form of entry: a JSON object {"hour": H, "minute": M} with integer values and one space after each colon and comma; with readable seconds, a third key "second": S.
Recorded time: {"hour": 4, "minute": 5}
